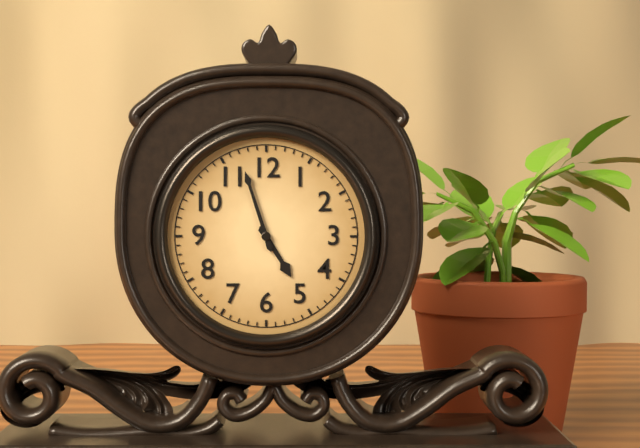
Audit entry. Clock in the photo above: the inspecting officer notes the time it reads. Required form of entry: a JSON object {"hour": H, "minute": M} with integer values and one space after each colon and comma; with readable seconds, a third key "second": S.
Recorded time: {"hour": 4, "minute": 57}
